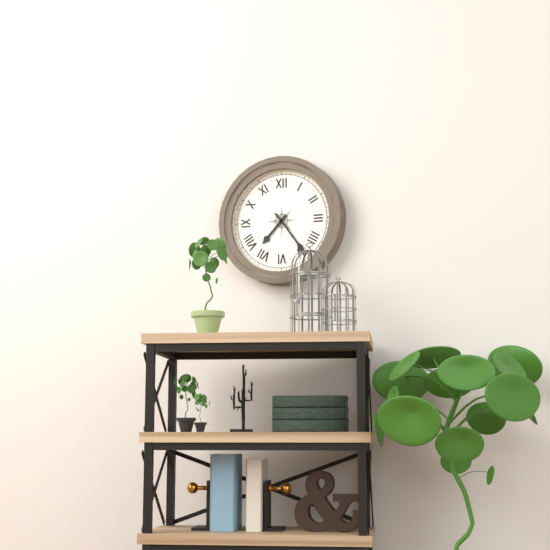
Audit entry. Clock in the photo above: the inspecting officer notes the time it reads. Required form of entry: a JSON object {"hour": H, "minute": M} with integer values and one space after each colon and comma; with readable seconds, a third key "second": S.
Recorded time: {"hour": 7, "minute": 24}
